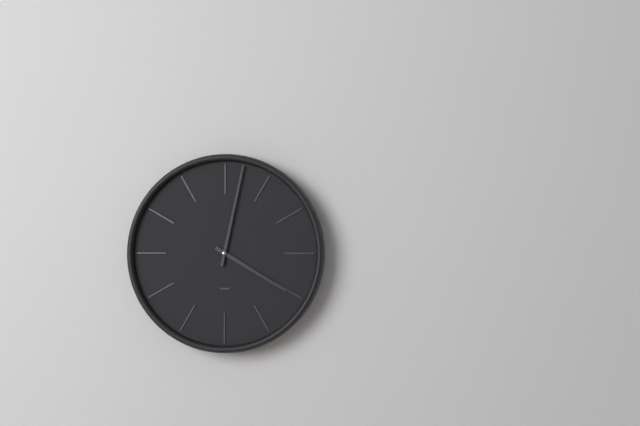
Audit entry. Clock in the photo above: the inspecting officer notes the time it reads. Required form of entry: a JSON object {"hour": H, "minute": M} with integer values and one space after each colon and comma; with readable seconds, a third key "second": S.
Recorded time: {"hour": 4, "minute": 2}
